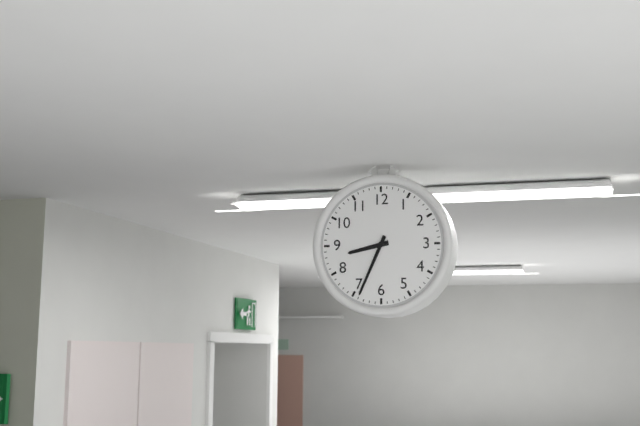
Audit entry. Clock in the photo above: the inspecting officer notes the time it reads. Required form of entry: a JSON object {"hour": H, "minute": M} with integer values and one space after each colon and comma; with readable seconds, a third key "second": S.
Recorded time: {"hour": 8, "minute": 34}
